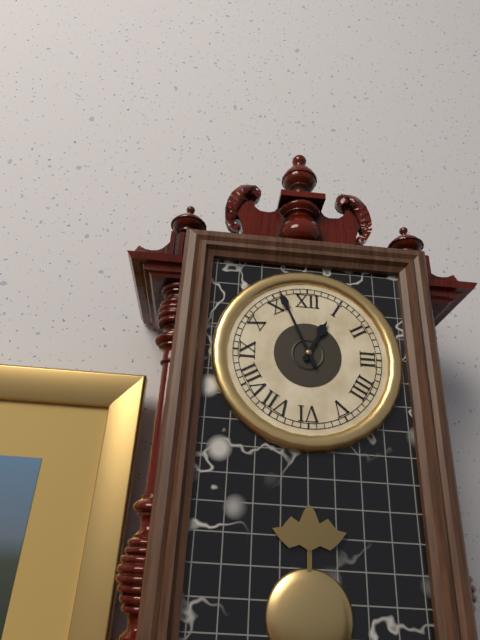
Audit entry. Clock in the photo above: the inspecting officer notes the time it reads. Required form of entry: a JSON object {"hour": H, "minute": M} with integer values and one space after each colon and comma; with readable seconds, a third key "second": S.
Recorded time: {"hour": 12, "minute": 56}
